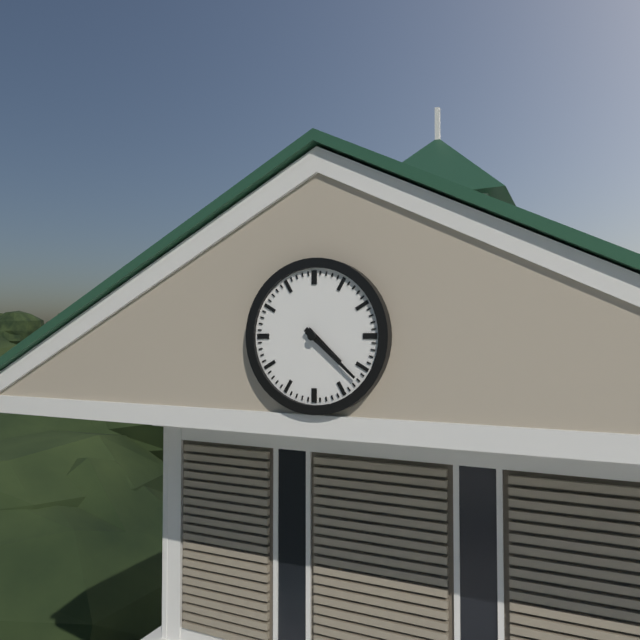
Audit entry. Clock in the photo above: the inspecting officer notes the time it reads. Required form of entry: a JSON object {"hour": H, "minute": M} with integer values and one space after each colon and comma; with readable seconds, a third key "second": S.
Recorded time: {"hour": 4, "minute": 22}
